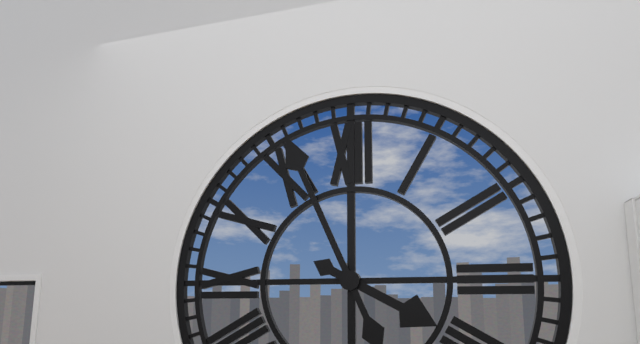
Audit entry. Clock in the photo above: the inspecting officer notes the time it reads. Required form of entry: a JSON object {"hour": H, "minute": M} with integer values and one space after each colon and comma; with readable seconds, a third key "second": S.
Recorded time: {"hour": 3, "minute": 56}
